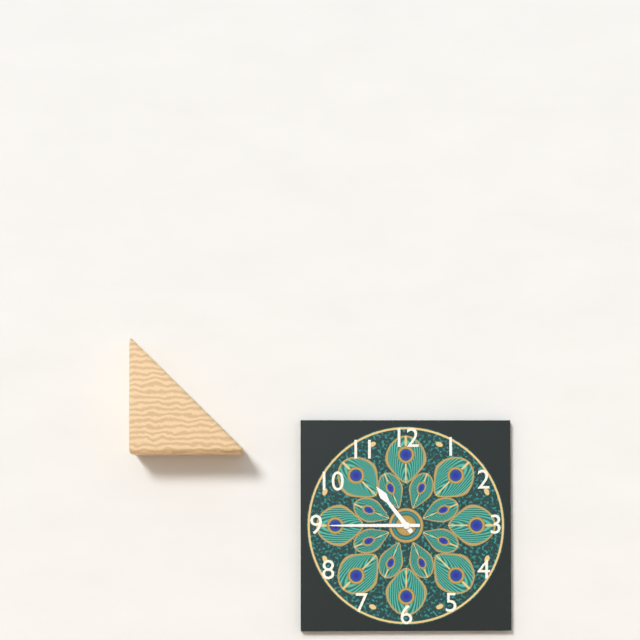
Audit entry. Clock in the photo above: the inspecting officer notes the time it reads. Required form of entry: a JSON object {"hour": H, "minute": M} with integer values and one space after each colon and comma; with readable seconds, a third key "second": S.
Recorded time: {"hour": 10, "minute": 45}
